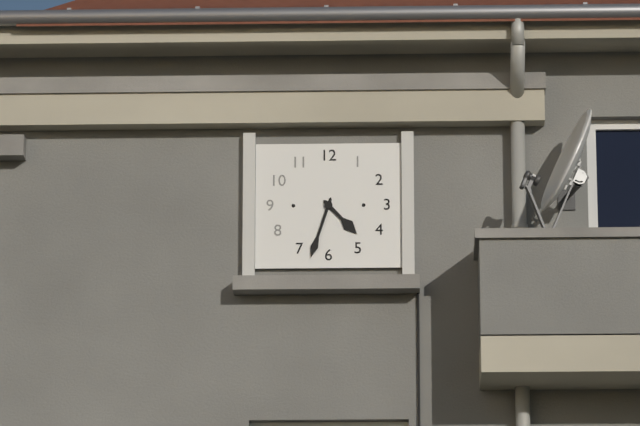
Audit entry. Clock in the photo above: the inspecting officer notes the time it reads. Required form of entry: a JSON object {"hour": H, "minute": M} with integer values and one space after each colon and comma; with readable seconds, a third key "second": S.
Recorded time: {"hour": 4, "minute": 33}
